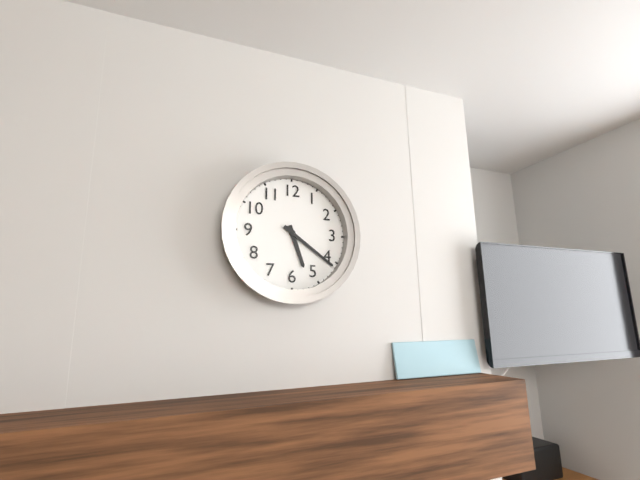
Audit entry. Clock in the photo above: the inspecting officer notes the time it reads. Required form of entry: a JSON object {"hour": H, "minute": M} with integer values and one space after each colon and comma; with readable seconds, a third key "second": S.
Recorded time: {"hour": 5, "minute": 21}
